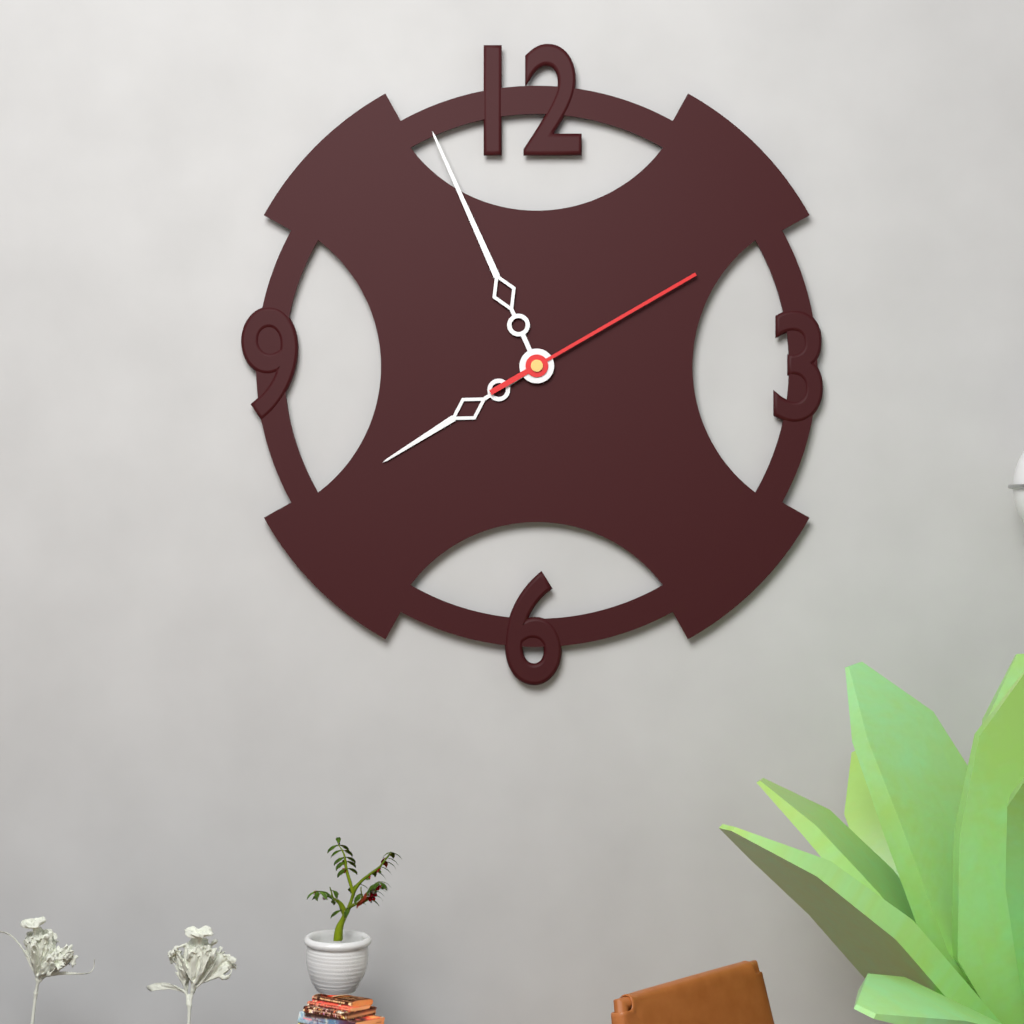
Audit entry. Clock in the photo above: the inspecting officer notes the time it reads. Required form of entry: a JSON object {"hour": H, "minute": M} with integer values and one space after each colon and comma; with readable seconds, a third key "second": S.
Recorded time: {"hour": 7, "minute": 56, "second": 10}
